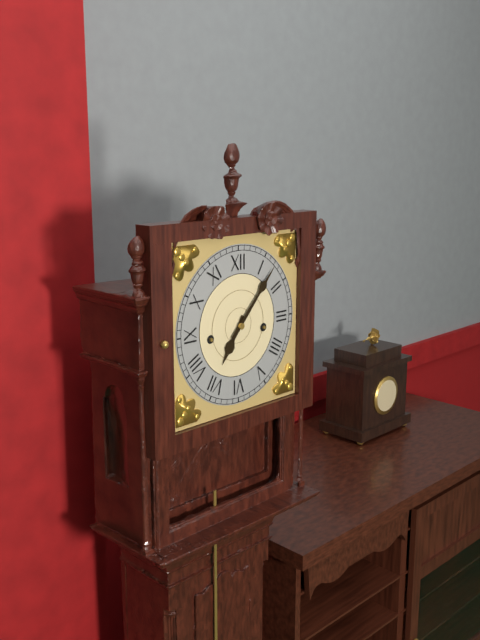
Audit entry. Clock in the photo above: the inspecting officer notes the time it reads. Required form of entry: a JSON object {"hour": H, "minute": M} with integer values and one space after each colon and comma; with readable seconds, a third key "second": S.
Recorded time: {"hour": 7, "minute": 7}
